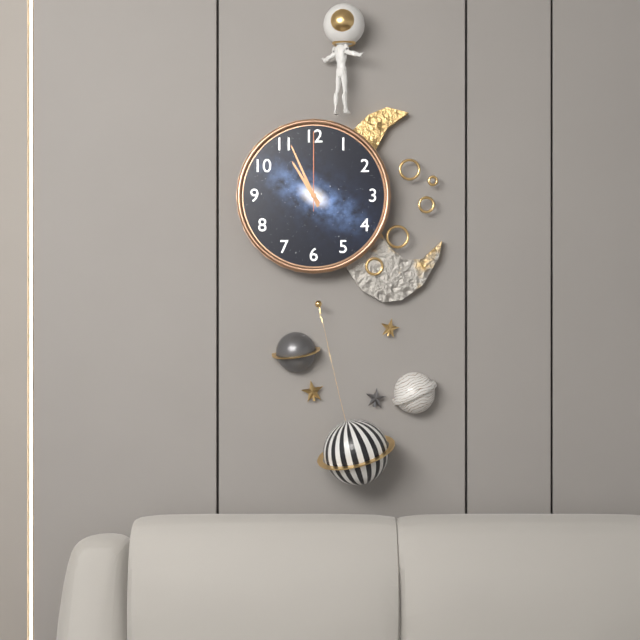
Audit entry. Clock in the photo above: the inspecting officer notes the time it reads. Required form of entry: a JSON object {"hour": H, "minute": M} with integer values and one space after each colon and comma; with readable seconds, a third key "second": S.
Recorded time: {"hour": 10, "minute": 56, "second": 0}
